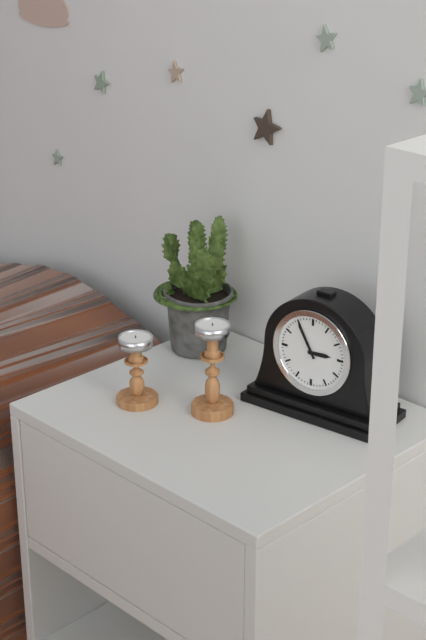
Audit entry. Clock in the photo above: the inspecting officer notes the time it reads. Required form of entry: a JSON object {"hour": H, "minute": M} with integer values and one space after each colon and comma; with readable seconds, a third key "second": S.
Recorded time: {"hour": 2, "minute": 55}
